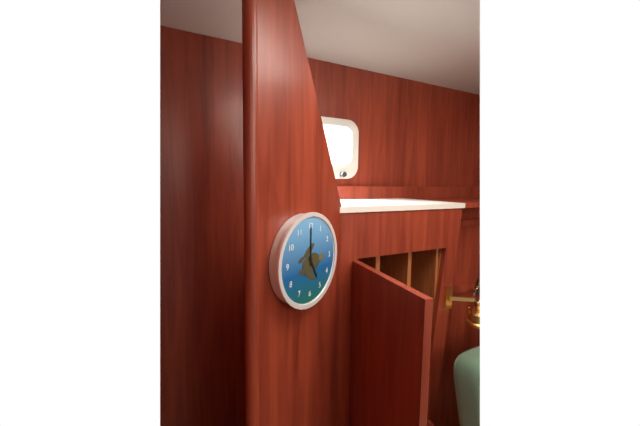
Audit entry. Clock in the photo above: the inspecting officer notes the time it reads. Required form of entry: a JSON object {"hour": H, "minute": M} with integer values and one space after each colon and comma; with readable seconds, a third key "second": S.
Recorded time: {"hour": 5, "minute": 0}
